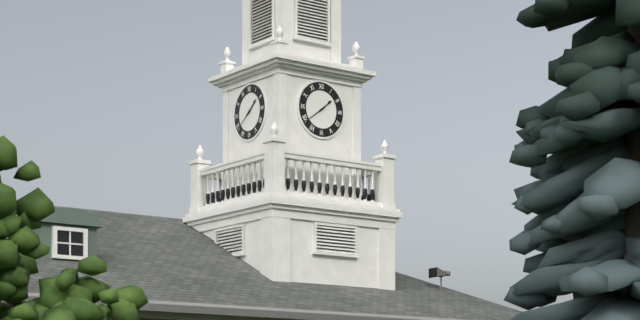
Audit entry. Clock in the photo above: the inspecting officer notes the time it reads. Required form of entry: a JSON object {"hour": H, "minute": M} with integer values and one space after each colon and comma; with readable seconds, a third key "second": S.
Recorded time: {"hour": 1, "minute": 39}
